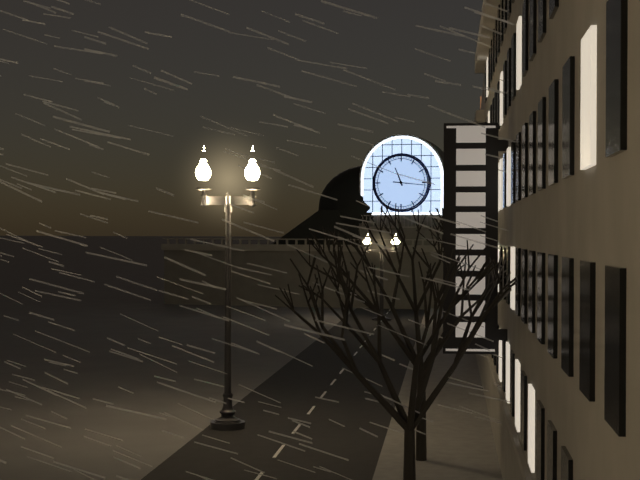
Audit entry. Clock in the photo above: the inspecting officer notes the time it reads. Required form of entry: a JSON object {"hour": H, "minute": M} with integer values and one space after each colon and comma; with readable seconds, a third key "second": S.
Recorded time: {"hour": 11, "minute": 16}
